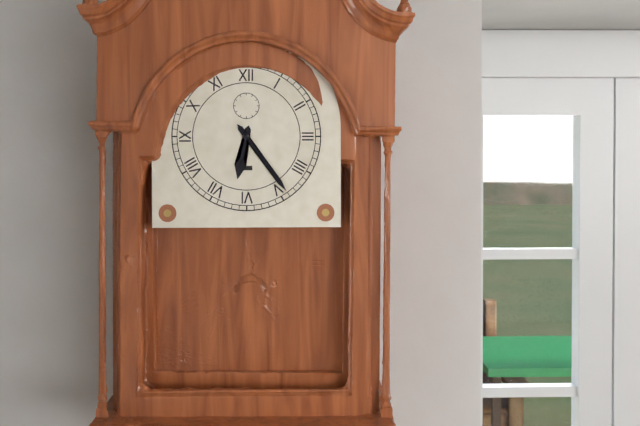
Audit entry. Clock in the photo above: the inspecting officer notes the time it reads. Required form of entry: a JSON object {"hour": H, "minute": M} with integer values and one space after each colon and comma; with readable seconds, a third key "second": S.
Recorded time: {"hour": 6, "minute": 24}
